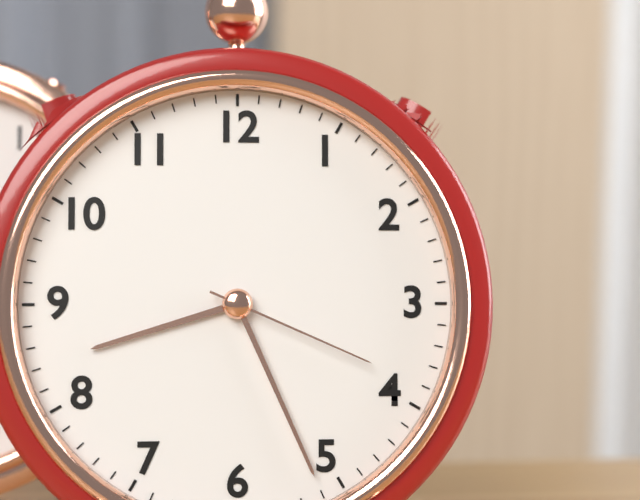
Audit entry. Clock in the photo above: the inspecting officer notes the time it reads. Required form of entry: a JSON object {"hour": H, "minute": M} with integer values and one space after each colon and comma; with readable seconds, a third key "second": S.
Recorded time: {"hour": 8, "minute": 26, "second": 19}
